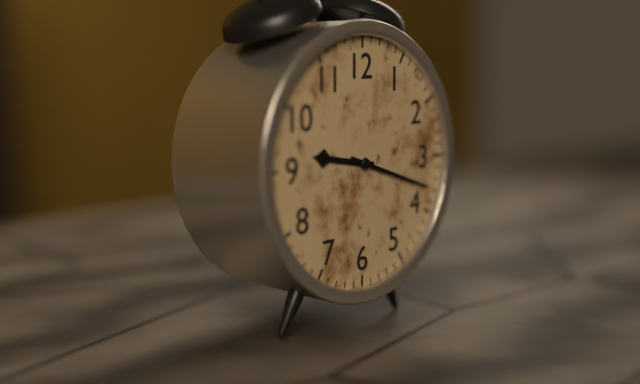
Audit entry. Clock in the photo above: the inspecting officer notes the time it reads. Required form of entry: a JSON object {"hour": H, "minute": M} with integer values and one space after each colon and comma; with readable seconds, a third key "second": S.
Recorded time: {"hour": 9, "minute": 18}
